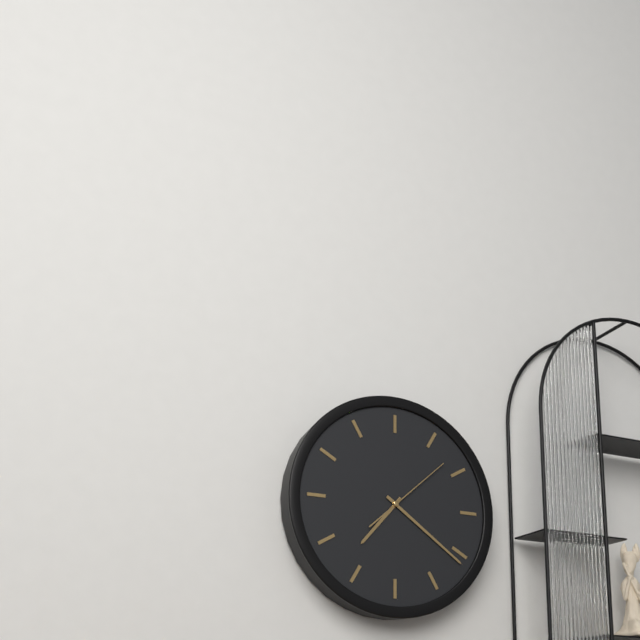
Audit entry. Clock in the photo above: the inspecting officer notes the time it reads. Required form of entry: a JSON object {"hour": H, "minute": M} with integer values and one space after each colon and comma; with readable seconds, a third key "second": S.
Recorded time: {"hour": 7, "minute": 21, "second": 8}
